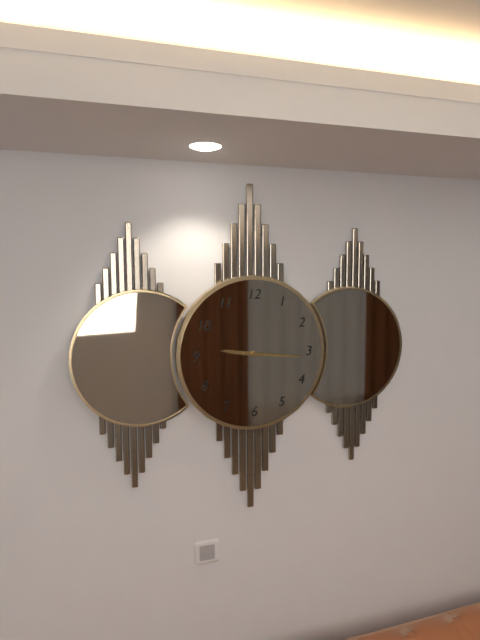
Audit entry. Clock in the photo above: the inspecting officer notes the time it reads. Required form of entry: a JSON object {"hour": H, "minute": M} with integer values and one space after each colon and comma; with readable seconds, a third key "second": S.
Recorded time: {"hour": 9, "minute": 16}
